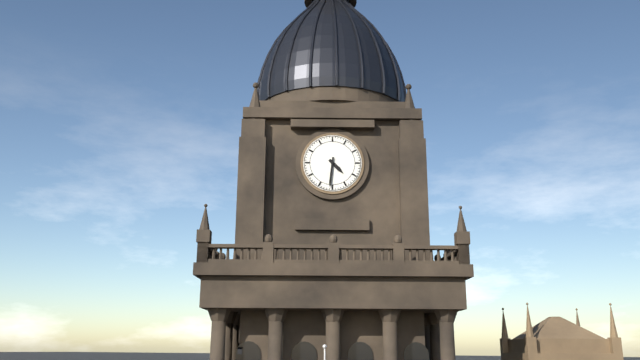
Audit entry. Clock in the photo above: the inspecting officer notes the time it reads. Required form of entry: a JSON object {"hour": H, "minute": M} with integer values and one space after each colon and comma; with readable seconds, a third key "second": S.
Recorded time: {"hour": 4, "minute": 31}
